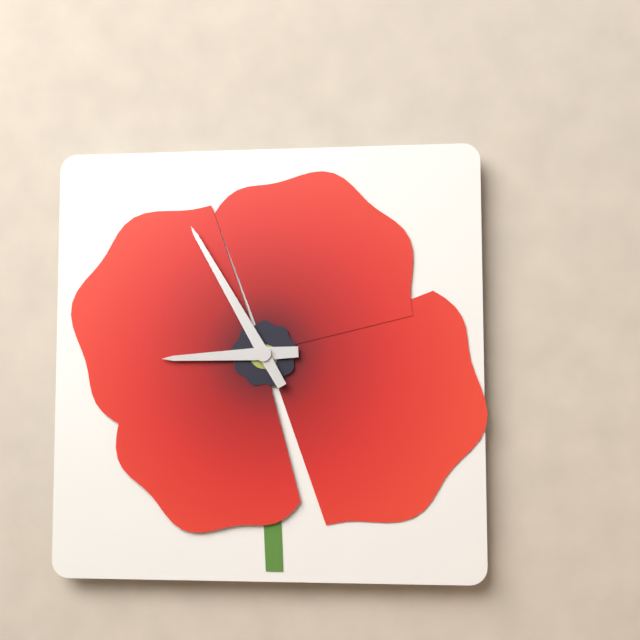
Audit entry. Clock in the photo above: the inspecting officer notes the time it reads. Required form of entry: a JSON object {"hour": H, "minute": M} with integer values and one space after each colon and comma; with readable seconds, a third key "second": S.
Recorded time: {"hour": 8, "minute": 55}
